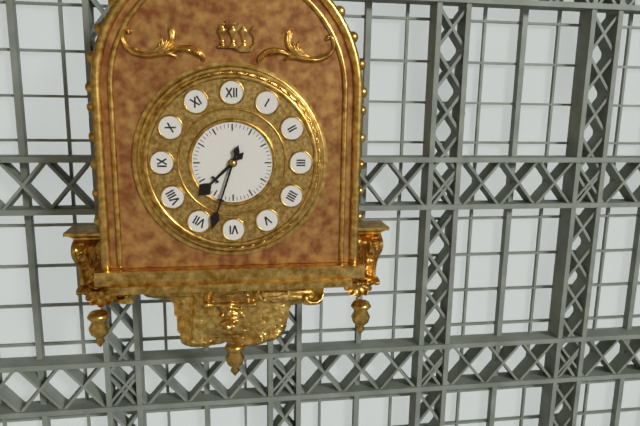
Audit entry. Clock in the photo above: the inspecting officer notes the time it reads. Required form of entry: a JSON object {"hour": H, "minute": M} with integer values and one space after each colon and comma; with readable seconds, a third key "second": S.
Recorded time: {"hour": 7, "minute": 33}
